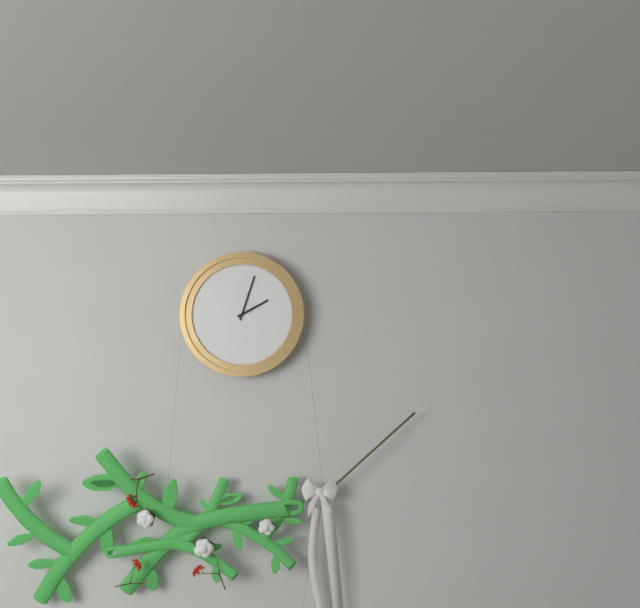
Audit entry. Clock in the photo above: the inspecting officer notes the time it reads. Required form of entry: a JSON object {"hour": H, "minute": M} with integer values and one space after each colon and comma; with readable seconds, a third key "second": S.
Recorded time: {"hour": 2, "minute": 3}
